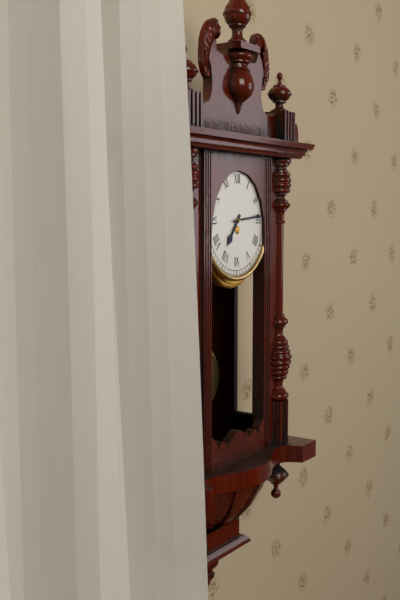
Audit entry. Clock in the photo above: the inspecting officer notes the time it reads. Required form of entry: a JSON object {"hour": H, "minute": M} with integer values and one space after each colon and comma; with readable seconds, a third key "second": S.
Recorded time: {"hour": 7, "minute": 14}
